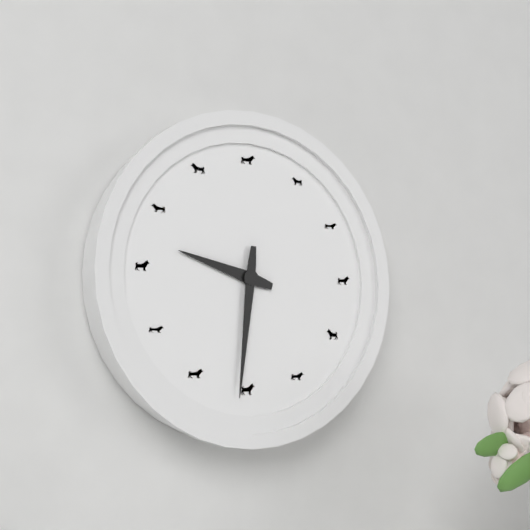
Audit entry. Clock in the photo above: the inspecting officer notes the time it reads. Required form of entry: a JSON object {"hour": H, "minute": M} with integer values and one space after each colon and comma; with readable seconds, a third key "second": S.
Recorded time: {"hour": 9, "minute": 31}
